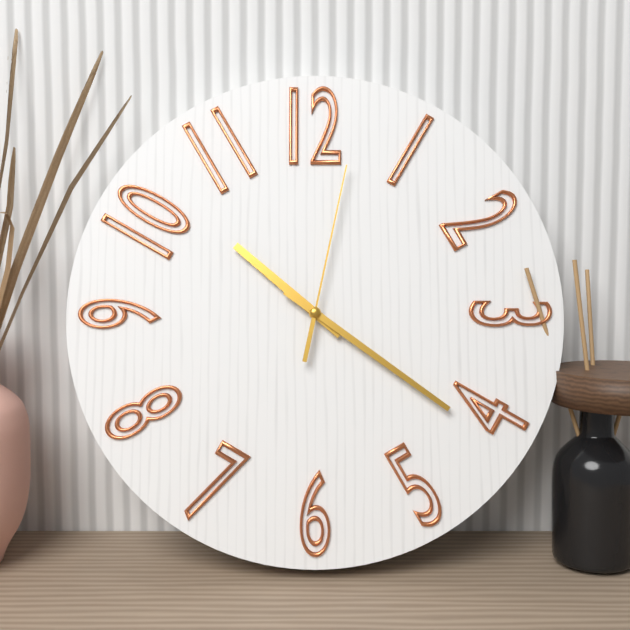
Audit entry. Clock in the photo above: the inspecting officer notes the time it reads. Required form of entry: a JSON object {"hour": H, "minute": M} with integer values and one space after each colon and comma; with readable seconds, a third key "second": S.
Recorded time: {"hour": 10, "minute": 21, "second": 2}
